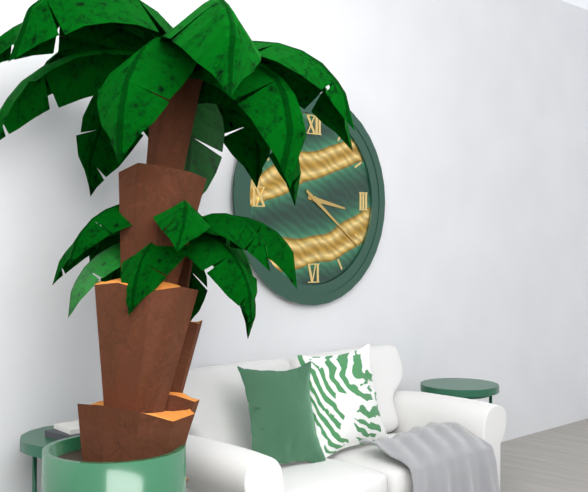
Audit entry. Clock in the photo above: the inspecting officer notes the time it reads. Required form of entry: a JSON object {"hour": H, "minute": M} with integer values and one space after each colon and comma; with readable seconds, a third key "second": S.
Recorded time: {"hour": 3, "minute": 21}
